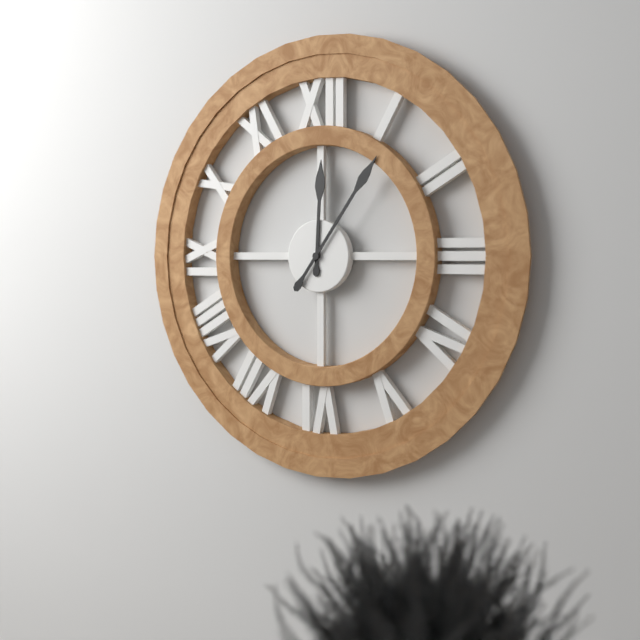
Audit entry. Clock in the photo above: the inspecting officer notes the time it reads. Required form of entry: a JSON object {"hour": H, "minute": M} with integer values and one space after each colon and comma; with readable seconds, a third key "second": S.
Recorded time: {"hour": 12, "minute": 6}
